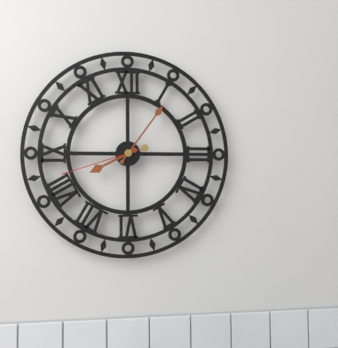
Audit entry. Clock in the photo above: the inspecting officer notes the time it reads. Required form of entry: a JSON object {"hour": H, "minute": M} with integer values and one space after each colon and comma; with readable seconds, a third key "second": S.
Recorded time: {"hour": 8, "minute": 6, "second": 42}
